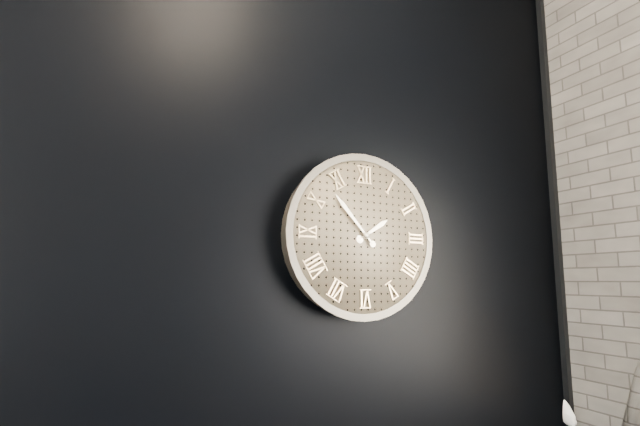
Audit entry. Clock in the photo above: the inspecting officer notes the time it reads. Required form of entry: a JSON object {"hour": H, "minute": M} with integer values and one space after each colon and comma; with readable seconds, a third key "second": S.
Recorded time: {"hour": 1, "minute": 53}
